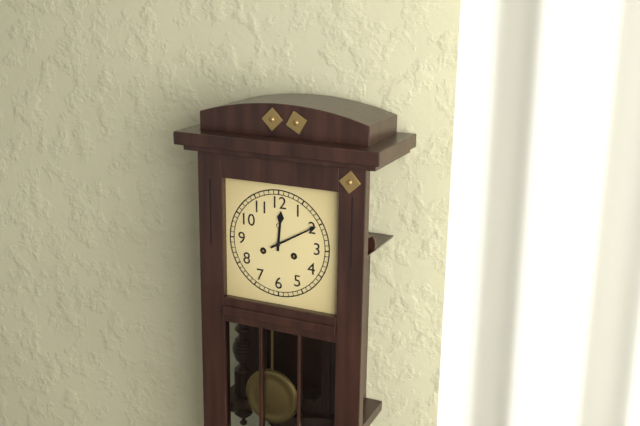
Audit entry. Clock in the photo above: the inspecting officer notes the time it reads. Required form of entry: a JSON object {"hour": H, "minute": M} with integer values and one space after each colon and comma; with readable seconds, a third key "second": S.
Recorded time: {"hour": 12, "minute": 10}
